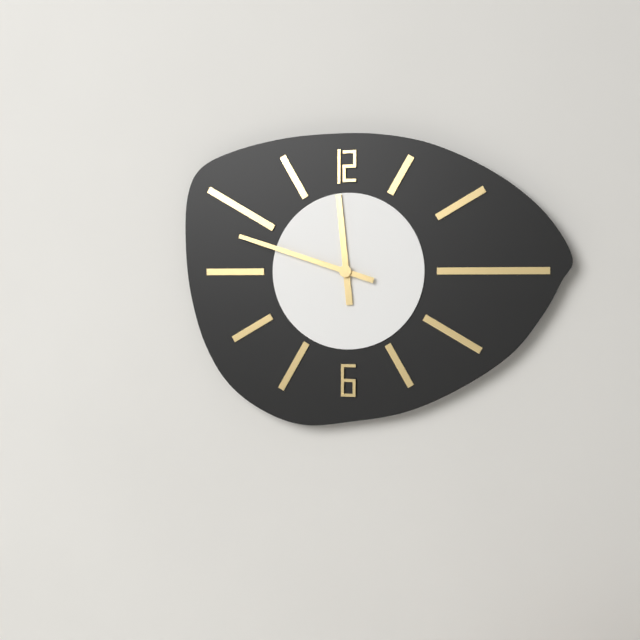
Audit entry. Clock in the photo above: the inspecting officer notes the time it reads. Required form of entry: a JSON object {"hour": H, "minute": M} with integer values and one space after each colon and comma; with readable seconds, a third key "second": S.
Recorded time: {"hour": 11, "minute": 48}
